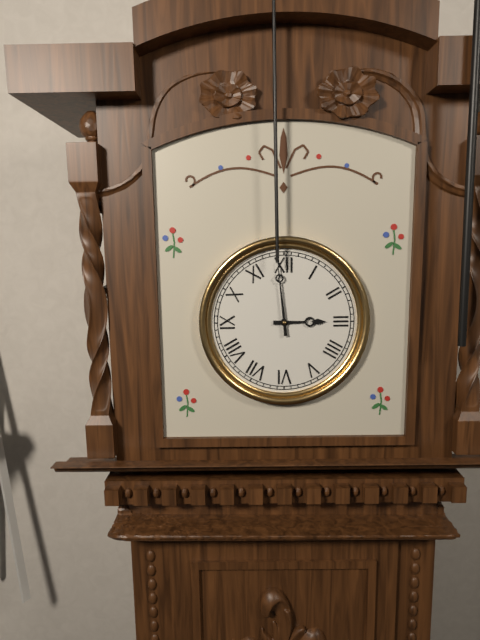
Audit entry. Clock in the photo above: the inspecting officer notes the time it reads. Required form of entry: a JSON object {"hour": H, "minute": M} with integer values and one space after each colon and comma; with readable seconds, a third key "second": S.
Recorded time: {"hour": 2, "minute": 59}
